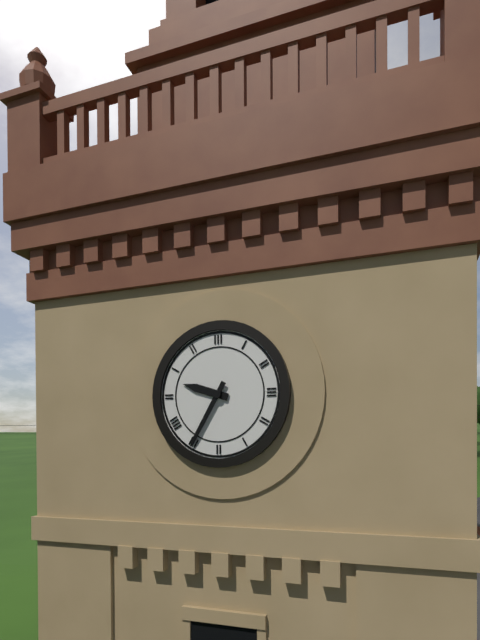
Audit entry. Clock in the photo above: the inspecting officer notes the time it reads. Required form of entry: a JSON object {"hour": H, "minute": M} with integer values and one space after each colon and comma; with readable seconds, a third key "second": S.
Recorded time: {"hour": 9, "minute": 35}
